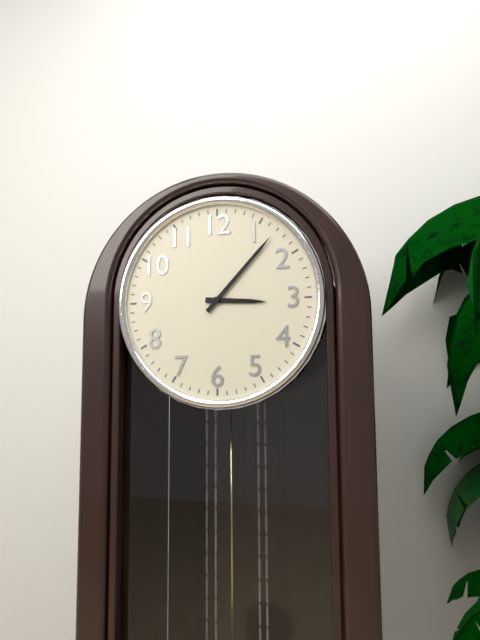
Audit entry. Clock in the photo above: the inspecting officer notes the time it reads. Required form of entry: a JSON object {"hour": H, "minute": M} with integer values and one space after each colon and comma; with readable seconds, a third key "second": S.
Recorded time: {"hour": 3, "minute": 7}
